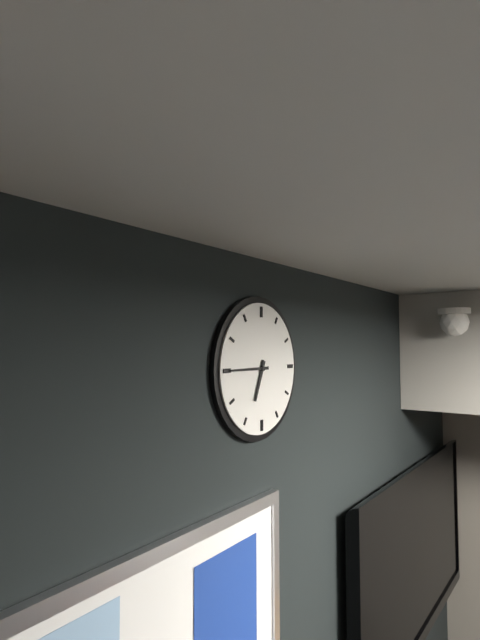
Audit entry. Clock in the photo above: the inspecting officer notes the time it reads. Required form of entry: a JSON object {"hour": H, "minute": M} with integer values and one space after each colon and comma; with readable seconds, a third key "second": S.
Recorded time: {"hour": 6, "minute": 45}
